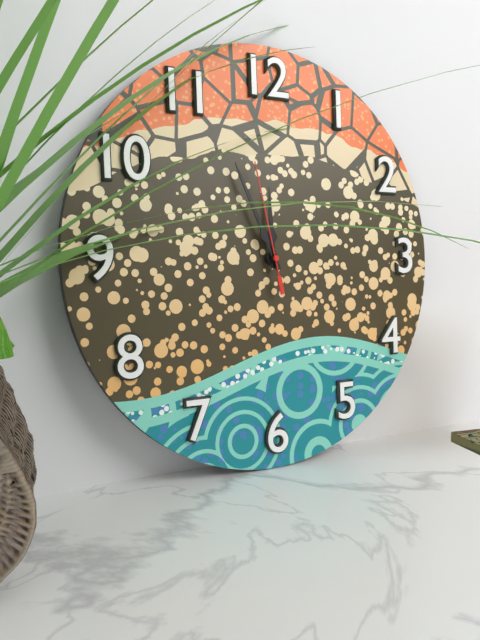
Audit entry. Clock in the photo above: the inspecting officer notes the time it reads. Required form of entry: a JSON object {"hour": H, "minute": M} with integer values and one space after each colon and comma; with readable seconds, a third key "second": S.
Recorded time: {"hour": 11, "minute": 56, "second": 58}
